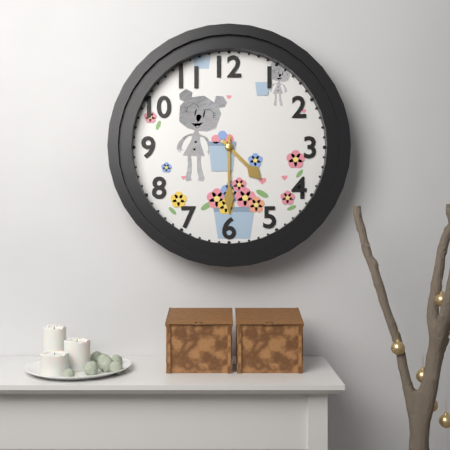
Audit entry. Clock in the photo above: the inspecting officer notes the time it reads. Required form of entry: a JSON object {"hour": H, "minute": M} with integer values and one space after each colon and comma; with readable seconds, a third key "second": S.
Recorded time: {"hour": 4, "minute": 30}
